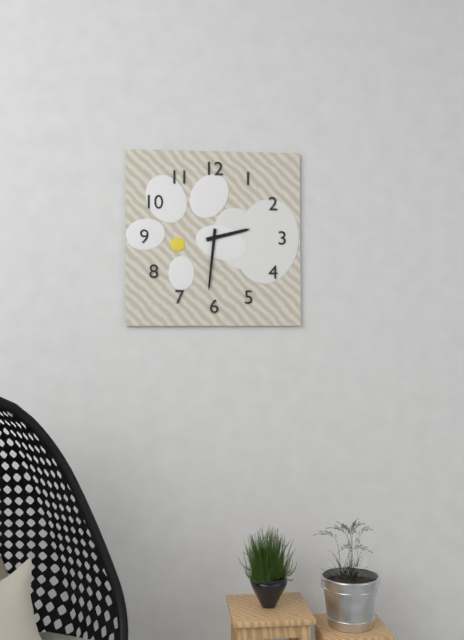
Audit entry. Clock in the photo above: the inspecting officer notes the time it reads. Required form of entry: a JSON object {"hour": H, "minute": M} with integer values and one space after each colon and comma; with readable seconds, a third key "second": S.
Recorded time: {"hour": 2, "minute": 31}
